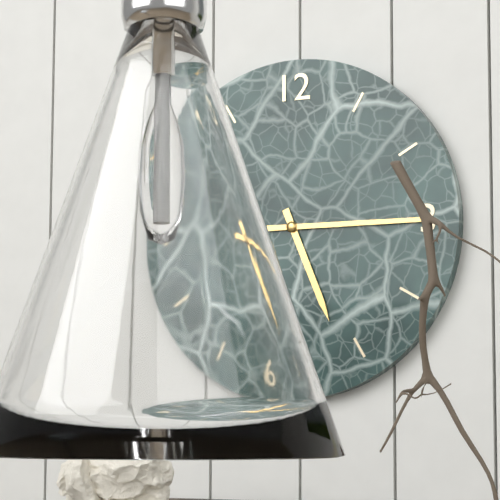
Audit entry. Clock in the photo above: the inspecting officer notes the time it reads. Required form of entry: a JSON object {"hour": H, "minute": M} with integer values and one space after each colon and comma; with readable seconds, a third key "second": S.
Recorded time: {"hour": 5, "minute": 15}
